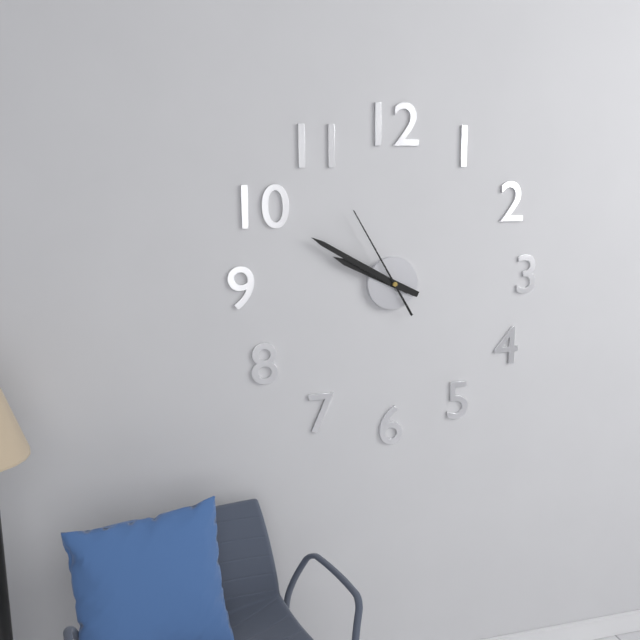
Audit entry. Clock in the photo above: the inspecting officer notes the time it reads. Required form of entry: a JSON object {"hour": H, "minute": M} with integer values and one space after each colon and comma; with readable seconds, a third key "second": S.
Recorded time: {"hour": 9, "minute": 50, "second": 55}
